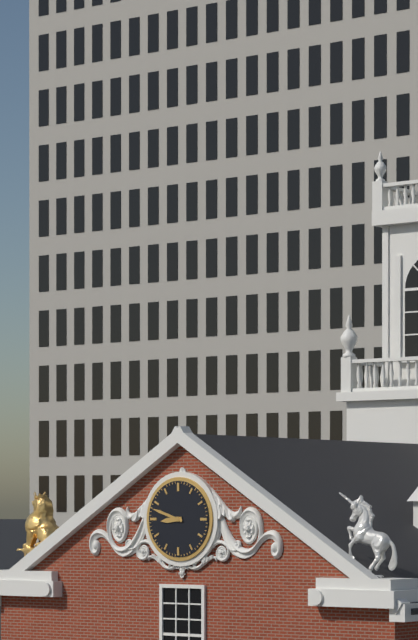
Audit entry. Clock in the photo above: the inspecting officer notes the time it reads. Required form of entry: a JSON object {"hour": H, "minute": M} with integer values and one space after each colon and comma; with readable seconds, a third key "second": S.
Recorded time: {"hour": 8, "minute": 48}
